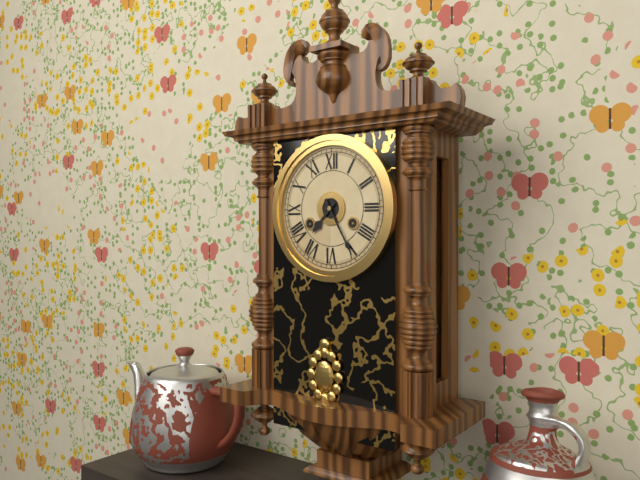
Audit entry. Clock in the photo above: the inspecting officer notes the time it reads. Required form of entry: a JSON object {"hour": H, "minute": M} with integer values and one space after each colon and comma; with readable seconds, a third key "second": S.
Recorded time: {"hour": 7, "minute": 25}
